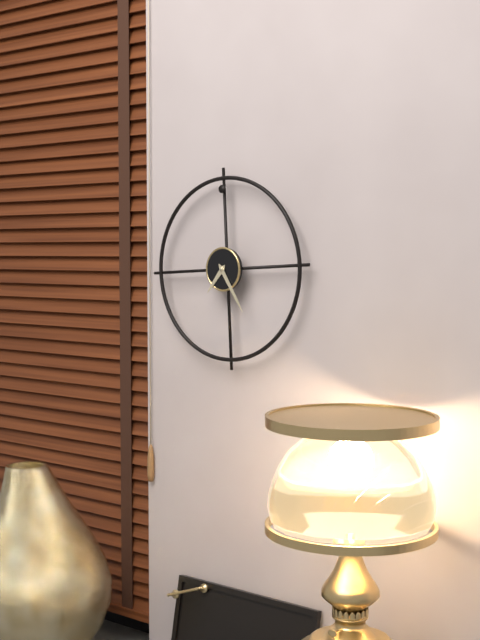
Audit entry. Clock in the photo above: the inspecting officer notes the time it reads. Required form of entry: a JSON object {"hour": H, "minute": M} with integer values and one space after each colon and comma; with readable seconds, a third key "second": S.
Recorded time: {"hour": 7, "minute": 25}
